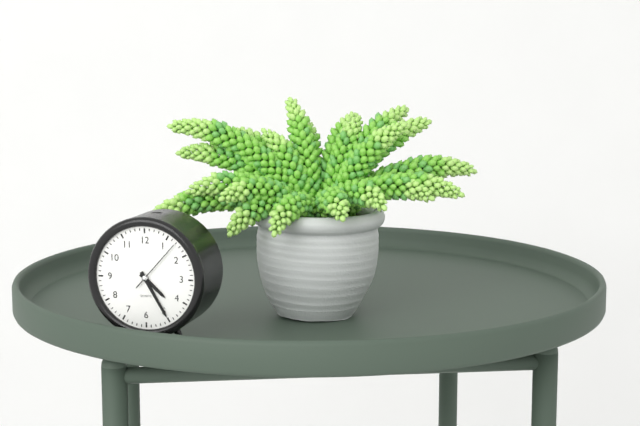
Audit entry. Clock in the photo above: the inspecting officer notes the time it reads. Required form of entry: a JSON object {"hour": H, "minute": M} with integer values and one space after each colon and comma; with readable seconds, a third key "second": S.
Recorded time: {"hour": 4, "minute": 25, "second": 7}
